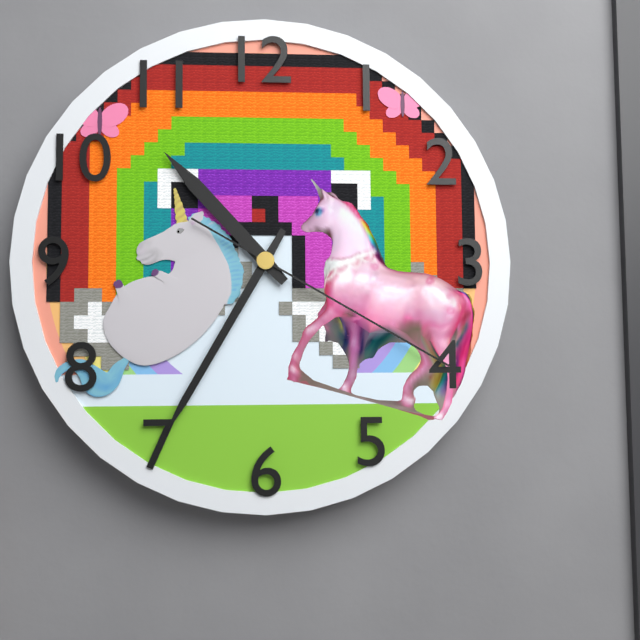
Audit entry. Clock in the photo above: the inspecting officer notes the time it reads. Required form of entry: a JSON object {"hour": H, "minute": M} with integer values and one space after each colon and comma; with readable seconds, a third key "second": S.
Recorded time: {"hour": 10, "minute": 35, "second": 20}
